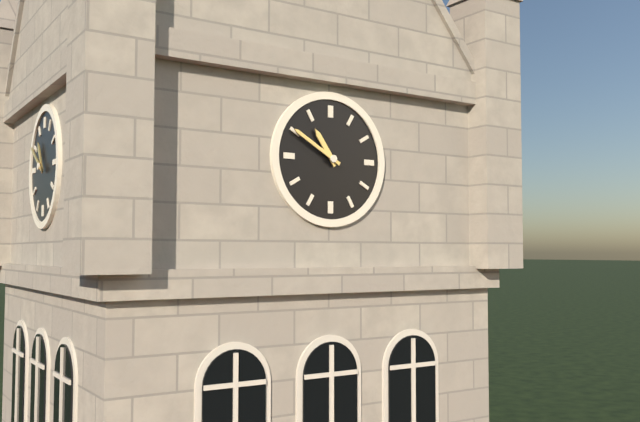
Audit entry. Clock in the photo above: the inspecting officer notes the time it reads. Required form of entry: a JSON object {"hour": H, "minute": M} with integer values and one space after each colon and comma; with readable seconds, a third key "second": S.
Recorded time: {"hour": 10, "minute": 50}
